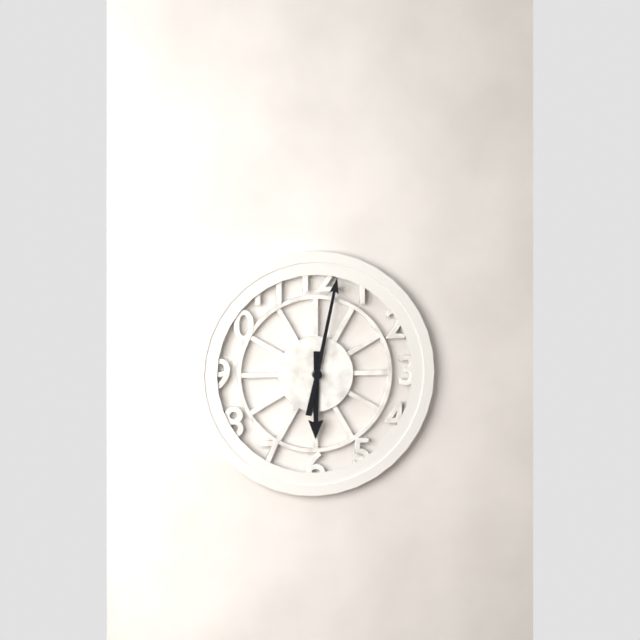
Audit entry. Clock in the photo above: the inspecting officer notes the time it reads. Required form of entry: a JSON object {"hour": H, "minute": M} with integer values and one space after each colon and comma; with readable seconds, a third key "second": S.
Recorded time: {"hour": 6, "minute": 2}
